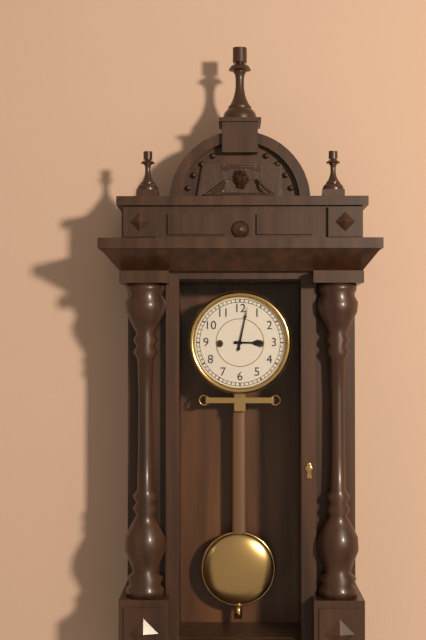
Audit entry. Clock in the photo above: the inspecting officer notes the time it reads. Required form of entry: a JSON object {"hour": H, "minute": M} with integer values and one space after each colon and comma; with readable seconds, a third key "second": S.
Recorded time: {"hour": 3, "minute": 2}
